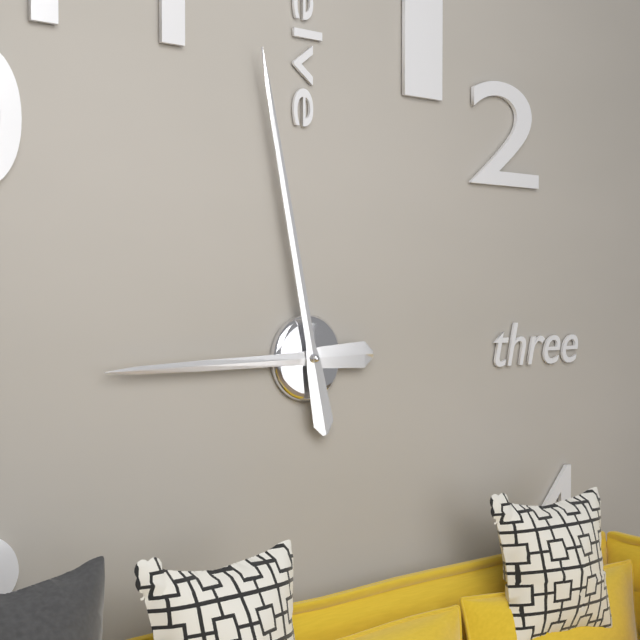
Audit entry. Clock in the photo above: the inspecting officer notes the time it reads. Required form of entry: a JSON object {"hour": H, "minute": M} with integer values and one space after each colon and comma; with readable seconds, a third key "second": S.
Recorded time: {"hour": 8, "minute": 58}
